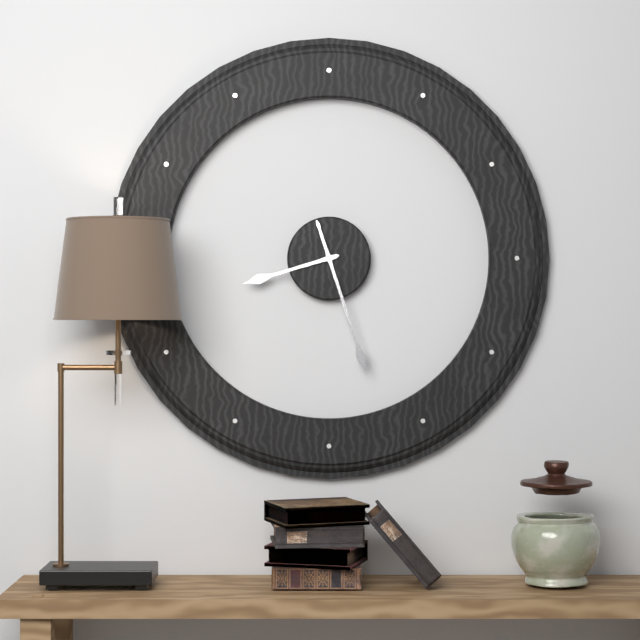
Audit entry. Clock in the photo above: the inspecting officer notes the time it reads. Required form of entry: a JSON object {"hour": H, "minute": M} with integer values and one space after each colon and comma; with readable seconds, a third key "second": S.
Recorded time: {"hour": 8, "minute": 27}
